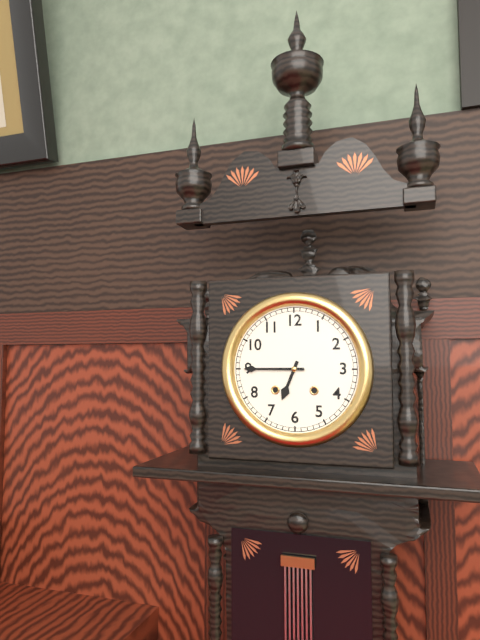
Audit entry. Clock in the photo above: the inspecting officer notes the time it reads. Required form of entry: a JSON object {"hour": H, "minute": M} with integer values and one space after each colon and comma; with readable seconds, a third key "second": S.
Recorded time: {"hour": 6, "minute": 45}
